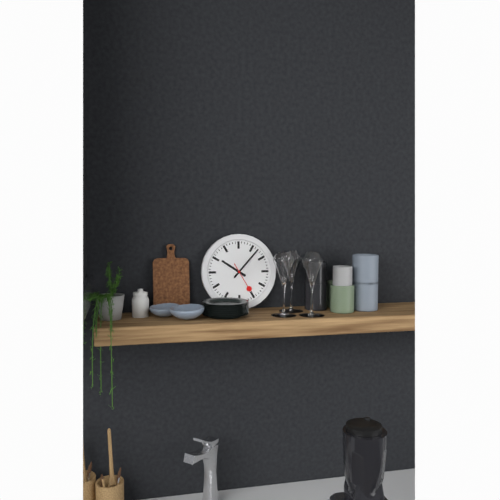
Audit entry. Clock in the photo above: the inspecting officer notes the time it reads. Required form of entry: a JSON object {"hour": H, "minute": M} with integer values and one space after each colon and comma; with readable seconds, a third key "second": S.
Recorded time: {"hour": 10, "minute": 7}
